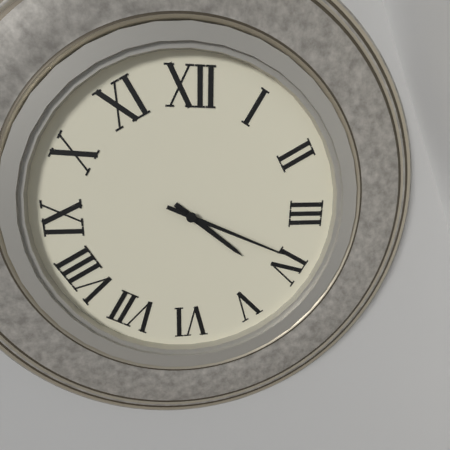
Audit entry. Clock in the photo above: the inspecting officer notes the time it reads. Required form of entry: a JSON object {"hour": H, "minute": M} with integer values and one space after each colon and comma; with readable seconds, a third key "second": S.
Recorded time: {"hour": 4, "minute": 19}
